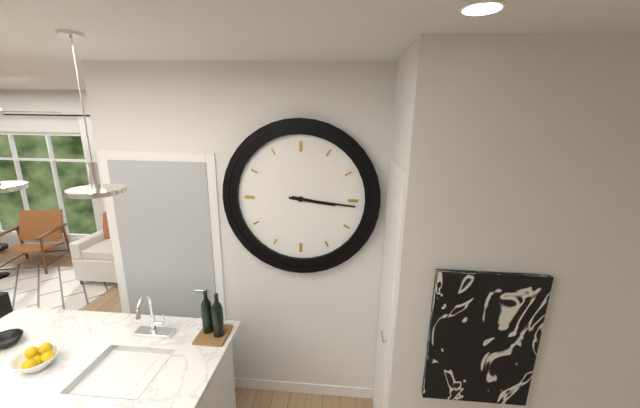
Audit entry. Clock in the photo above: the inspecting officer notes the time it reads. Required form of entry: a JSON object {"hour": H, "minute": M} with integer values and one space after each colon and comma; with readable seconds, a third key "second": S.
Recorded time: {"hour": 3, "minute": 16}
